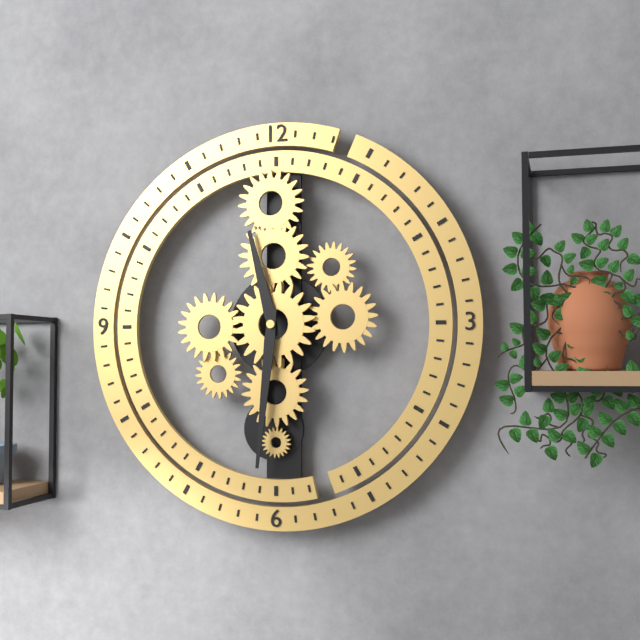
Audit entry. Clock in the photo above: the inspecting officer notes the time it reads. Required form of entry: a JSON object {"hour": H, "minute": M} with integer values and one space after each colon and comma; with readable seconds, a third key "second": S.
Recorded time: {"hour": 11, "minute": 31}
